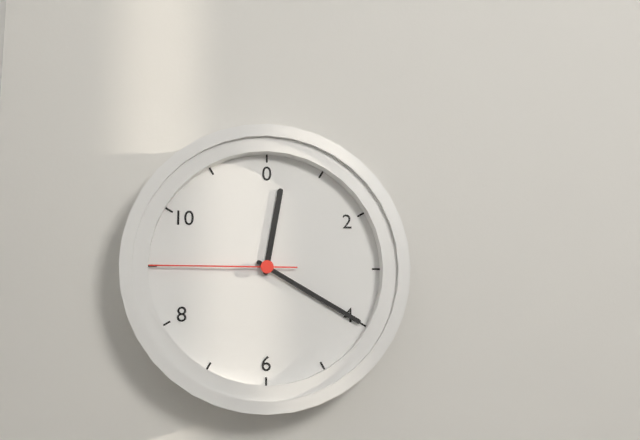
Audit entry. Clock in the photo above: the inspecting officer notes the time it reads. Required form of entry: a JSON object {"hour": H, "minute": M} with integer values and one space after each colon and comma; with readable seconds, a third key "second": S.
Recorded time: {"hour": 12, "minute": 20, "second": 45}
